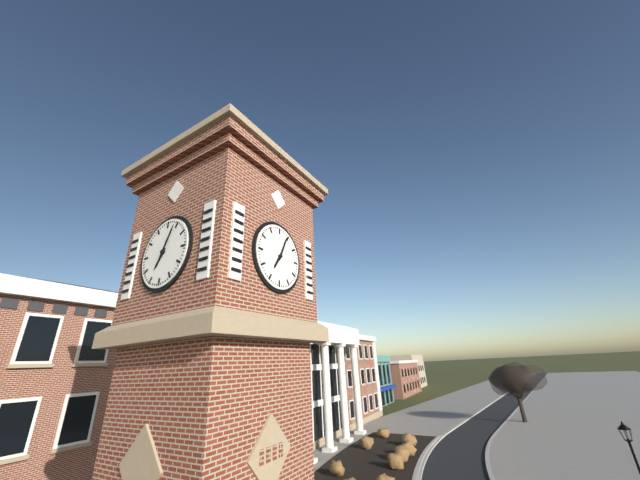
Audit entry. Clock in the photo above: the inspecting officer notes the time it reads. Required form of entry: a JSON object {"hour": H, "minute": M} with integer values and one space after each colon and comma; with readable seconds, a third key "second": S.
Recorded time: {"hour": 7, "minute": 4}
